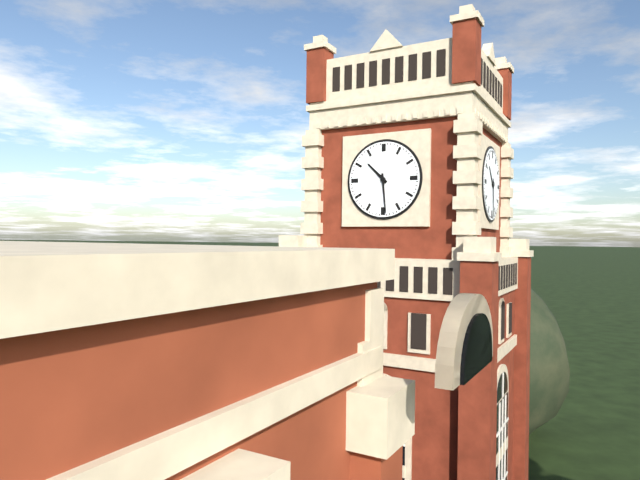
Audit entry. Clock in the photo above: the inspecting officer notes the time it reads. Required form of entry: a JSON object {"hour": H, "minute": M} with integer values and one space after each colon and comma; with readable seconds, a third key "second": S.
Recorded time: {"hour": 10, "minute": 29}
